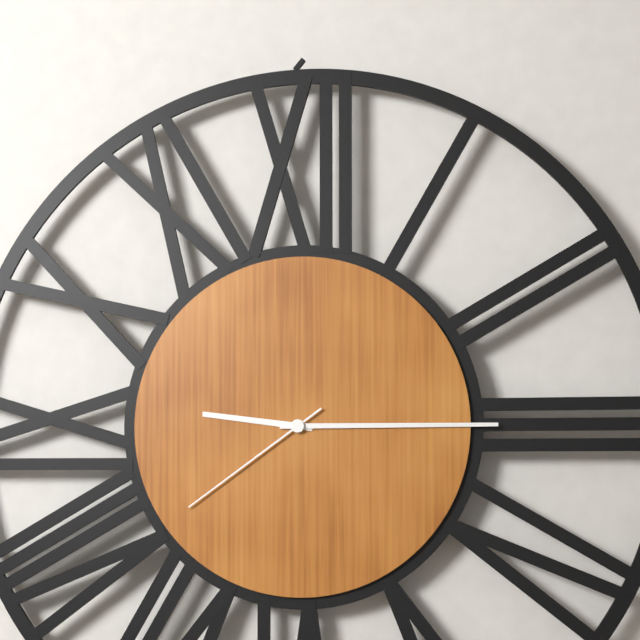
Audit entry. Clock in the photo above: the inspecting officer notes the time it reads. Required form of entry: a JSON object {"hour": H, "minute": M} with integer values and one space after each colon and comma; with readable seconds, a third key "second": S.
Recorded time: {"hour": 9, "minute": 15, "second": 39}
